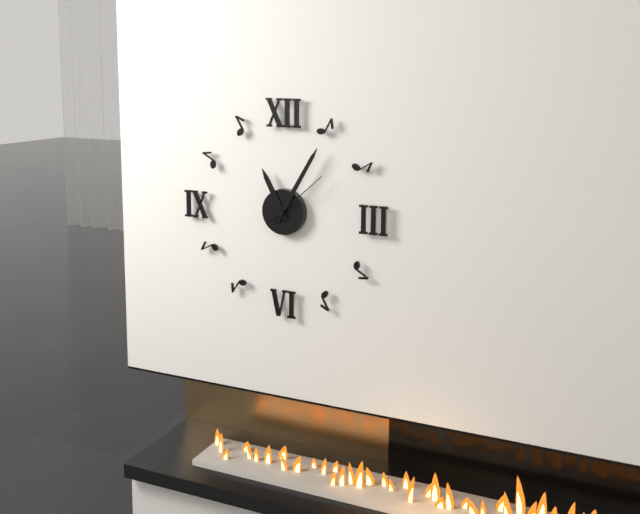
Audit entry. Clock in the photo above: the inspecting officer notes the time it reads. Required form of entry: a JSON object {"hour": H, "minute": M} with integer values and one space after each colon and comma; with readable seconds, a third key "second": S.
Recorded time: {"hour": 11, "minute": 5, "second": 8}
